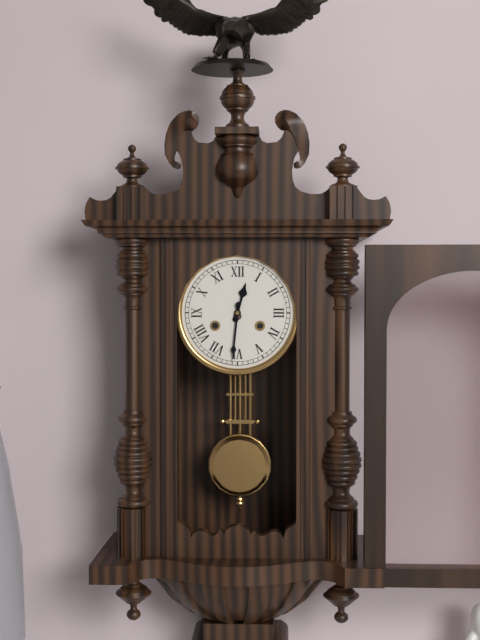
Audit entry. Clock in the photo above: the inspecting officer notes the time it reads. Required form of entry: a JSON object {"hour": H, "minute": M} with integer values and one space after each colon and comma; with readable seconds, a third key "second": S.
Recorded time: {"hour": 12, "minute": 31}
